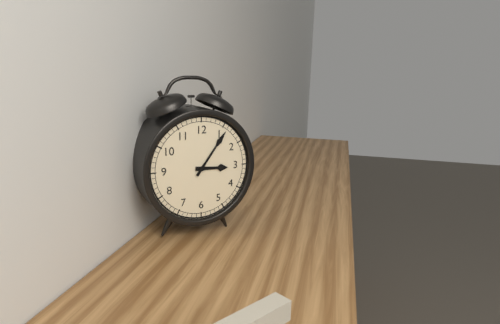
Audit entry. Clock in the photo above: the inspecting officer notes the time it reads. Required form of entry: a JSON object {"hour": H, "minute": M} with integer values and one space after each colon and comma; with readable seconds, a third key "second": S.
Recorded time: {"hour": 3, "minute": 6}
